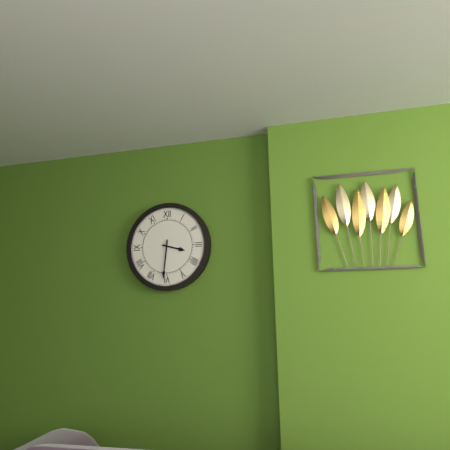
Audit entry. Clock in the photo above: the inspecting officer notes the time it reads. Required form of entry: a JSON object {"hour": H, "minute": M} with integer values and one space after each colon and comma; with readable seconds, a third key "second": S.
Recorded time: {"hour": 3, "minute": 31}
